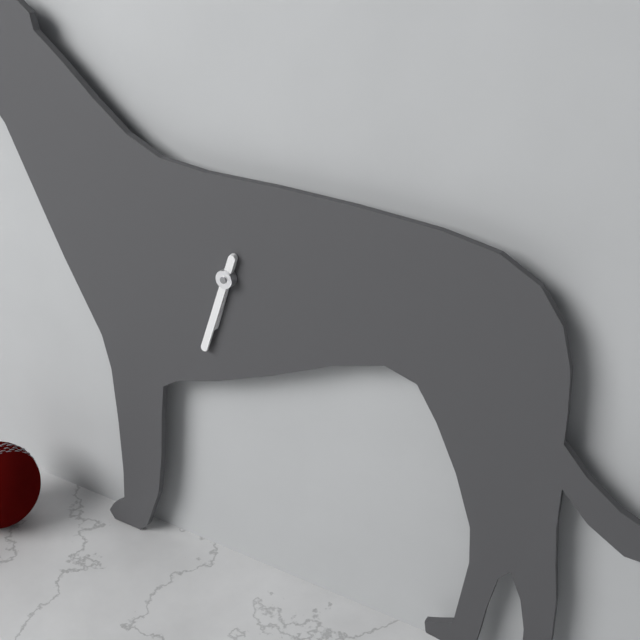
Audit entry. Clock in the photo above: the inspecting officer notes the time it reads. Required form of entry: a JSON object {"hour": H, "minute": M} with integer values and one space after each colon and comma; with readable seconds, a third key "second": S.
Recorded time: {"hour": 6, "minute": 33}
